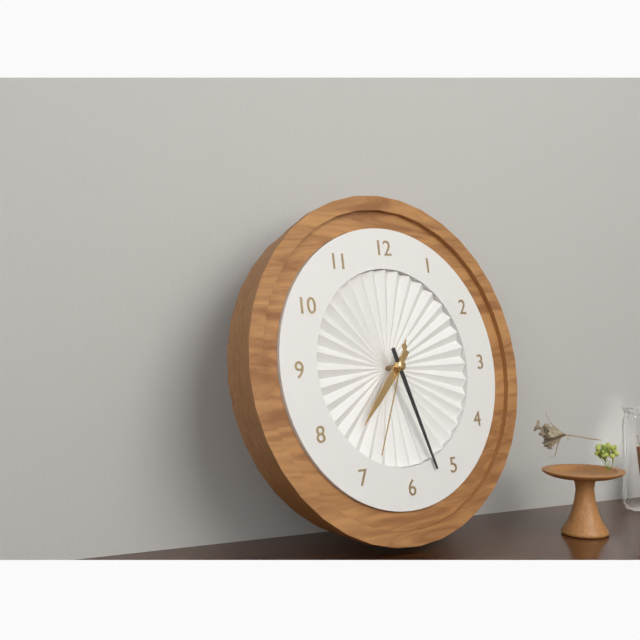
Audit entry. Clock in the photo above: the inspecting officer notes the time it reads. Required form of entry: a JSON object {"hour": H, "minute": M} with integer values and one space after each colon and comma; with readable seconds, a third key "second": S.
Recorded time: {"hour": 7, "minute": 27, "second": 34}
